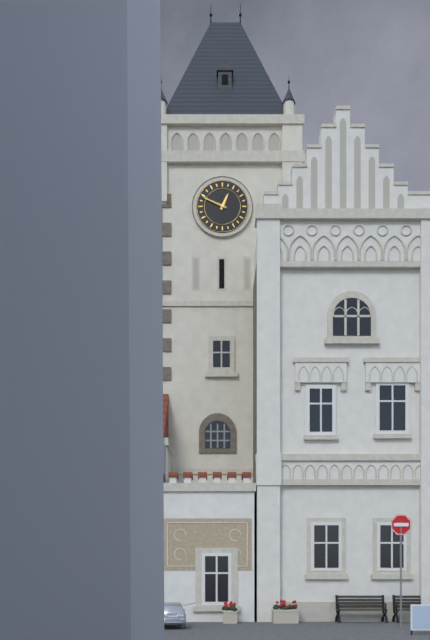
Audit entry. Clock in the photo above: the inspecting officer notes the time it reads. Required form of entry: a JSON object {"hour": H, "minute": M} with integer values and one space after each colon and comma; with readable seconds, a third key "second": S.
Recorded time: {"hour": 12, "minute": 49}
